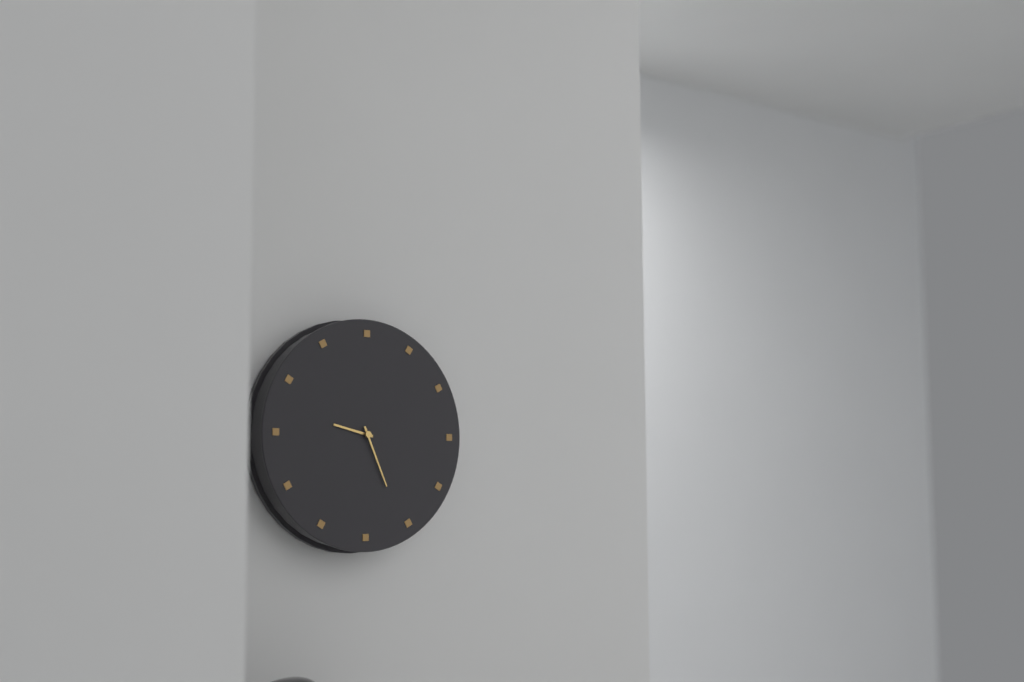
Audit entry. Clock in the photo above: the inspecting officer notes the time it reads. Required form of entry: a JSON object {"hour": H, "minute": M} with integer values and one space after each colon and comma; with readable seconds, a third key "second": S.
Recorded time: {"hour": 9, "minute": 26}
